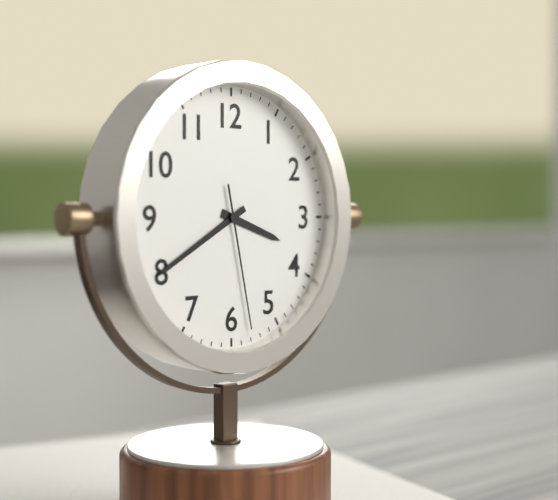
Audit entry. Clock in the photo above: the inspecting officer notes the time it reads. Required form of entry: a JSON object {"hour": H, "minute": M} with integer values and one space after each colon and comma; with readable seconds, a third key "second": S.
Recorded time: {"hour": 3, "minute": 40, "second": 28}
